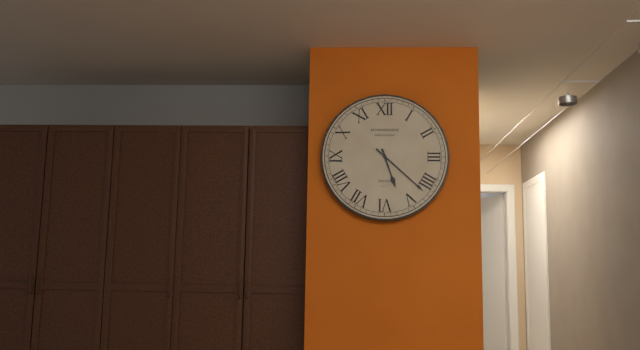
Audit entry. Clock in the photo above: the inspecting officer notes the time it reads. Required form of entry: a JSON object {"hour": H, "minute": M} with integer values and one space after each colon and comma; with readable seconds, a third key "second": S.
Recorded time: {"hour": 5, "minute": 22}
